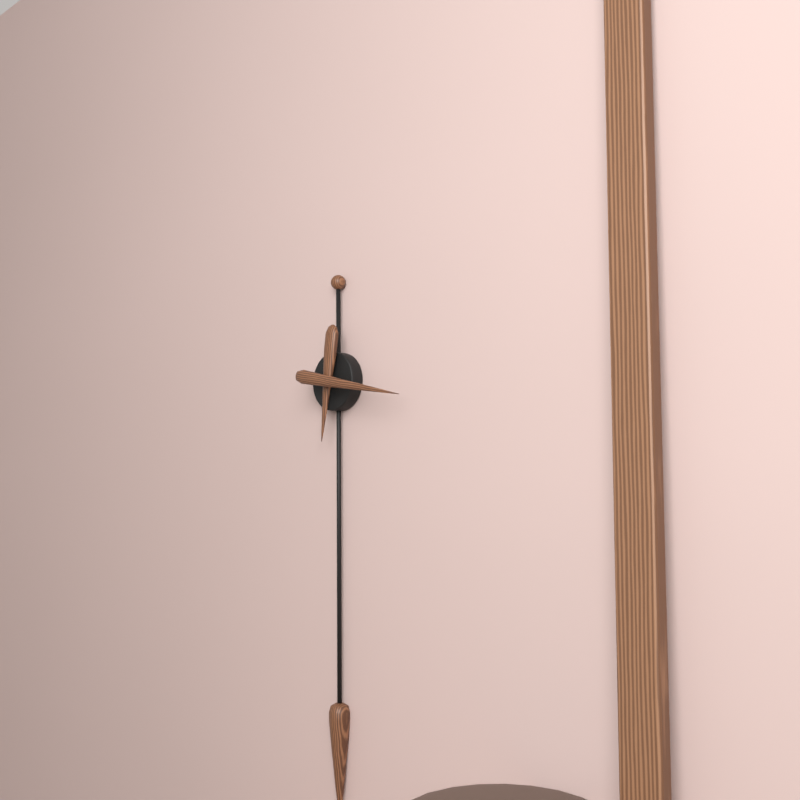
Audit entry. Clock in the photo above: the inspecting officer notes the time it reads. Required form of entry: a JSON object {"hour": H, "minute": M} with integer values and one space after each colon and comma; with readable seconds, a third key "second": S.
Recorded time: {"hour": 6, "minute": 17}
